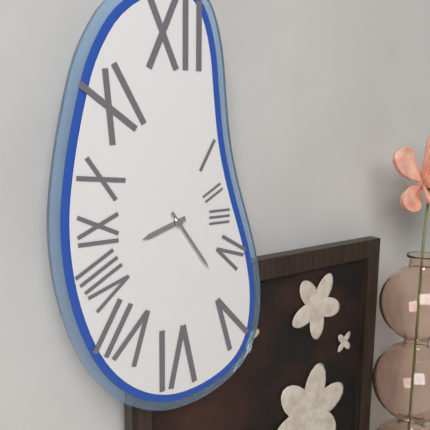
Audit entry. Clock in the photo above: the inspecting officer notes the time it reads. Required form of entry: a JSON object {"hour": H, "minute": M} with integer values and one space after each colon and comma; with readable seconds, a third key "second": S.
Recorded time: {"hour": 8, "minute": 24}
